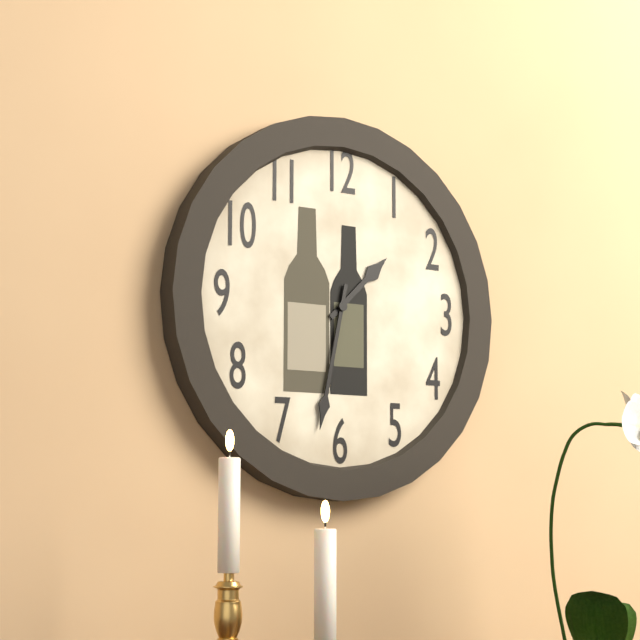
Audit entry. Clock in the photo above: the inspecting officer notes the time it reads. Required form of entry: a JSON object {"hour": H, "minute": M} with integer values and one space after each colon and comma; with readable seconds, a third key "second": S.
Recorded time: {"hour": 1, "minute": 32}
